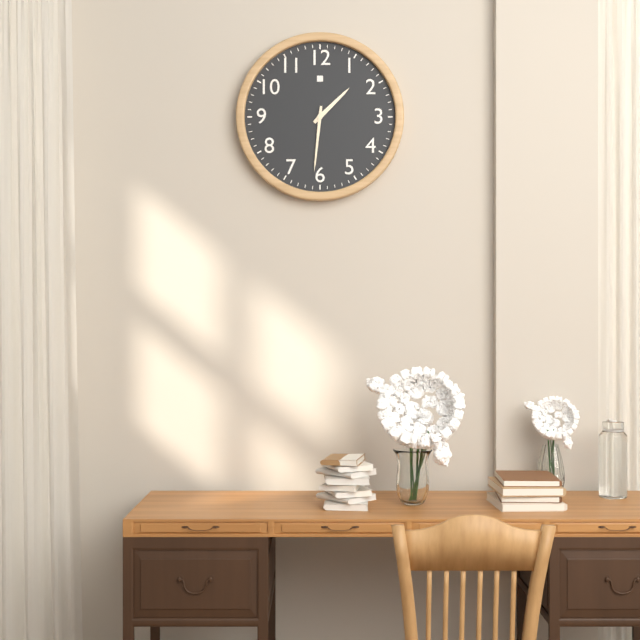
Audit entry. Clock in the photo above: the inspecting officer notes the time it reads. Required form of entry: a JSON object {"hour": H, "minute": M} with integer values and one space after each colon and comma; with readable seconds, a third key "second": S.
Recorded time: {"hour": 1, "minute": 31}
